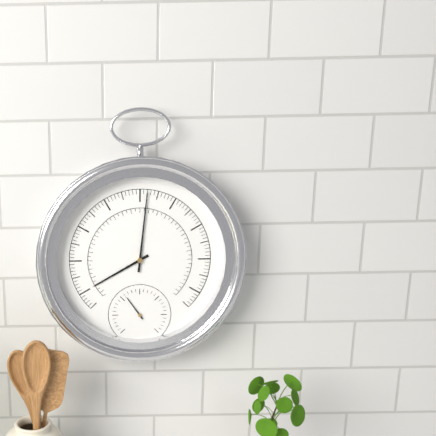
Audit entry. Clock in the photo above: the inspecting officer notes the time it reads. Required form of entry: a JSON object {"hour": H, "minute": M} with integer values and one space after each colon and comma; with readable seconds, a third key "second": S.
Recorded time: {"hour": 8, "minute": 1}
